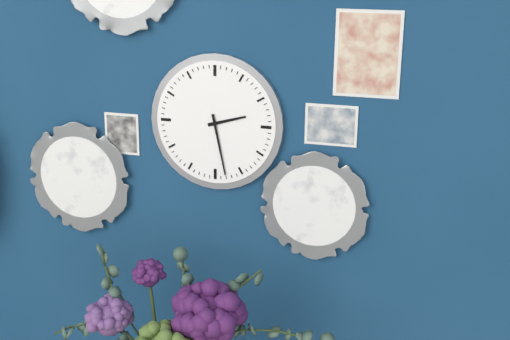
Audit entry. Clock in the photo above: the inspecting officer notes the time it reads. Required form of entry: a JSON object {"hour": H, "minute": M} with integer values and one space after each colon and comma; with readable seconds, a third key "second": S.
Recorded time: {"hour": 2, "minute": 28}
